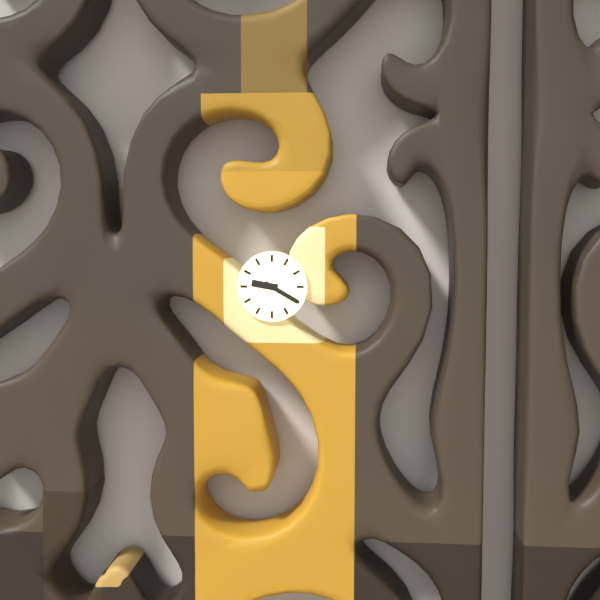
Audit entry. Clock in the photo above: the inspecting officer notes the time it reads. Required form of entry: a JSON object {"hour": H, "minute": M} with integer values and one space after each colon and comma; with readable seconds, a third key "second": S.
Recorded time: {"hour": 9, "minute": 20}
